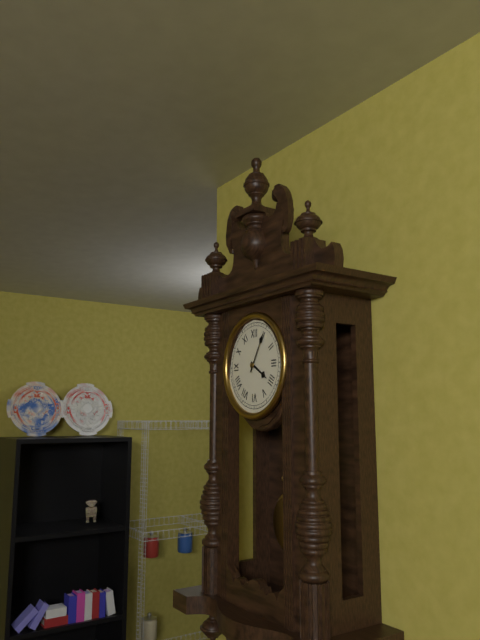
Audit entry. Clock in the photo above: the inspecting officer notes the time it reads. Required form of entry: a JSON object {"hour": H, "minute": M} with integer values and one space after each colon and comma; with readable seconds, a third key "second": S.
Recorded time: {"hour": 4, "minute": 5}
